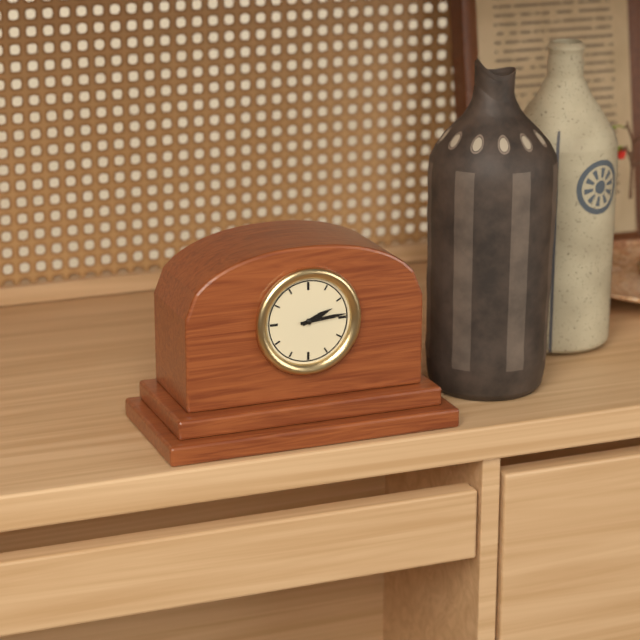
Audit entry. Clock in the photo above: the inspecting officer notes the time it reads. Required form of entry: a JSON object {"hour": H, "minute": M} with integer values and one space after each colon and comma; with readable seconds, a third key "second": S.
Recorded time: {"hour": 2, "minute": 14}
